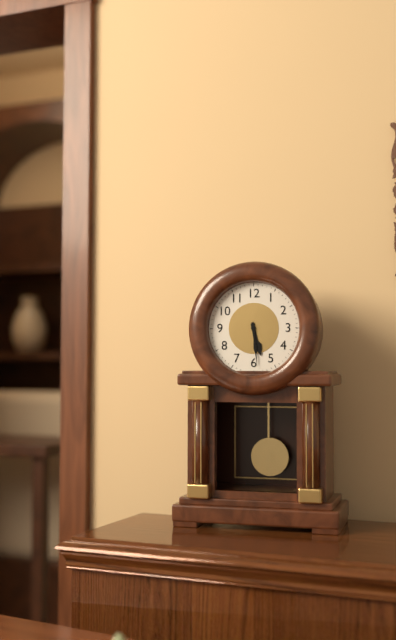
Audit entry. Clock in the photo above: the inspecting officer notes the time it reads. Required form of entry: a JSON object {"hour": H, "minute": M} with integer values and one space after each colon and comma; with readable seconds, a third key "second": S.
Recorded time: {"hour": 5, "minute": 29}
